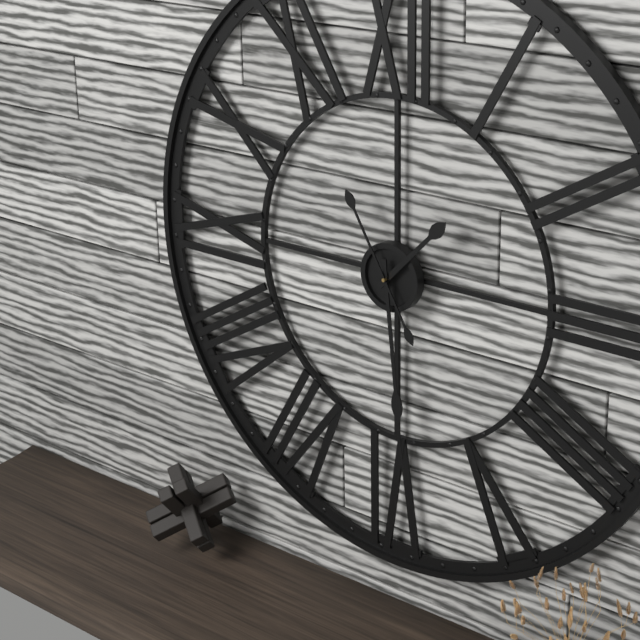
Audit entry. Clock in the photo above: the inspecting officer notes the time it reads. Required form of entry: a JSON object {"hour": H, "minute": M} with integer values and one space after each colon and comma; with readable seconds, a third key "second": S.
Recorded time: {"hour": 1, "minute": 29, "second": 55}
